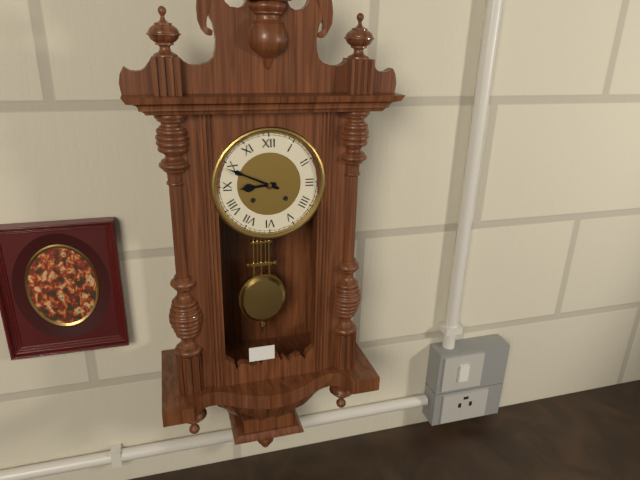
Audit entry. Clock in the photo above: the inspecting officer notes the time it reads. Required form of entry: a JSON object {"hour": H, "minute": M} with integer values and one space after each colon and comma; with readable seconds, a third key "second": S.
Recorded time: {"hour": 8, "minute": 49}
